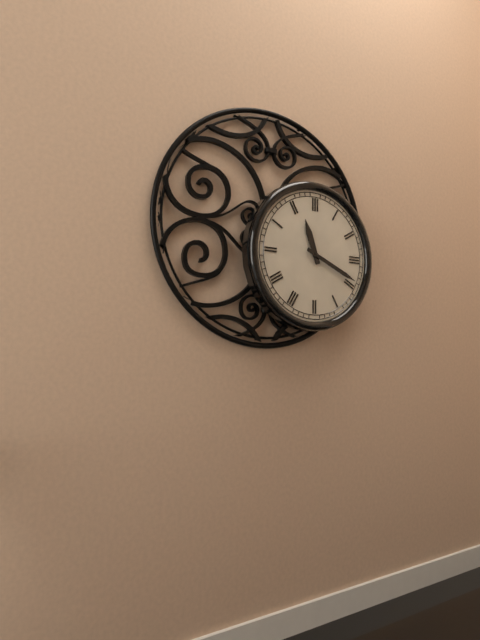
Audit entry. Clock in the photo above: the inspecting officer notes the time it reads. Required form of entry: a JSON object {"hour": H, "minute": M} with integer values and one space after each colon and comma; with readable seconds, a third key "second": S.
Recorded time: {"hour": 11, "minute": 19}
